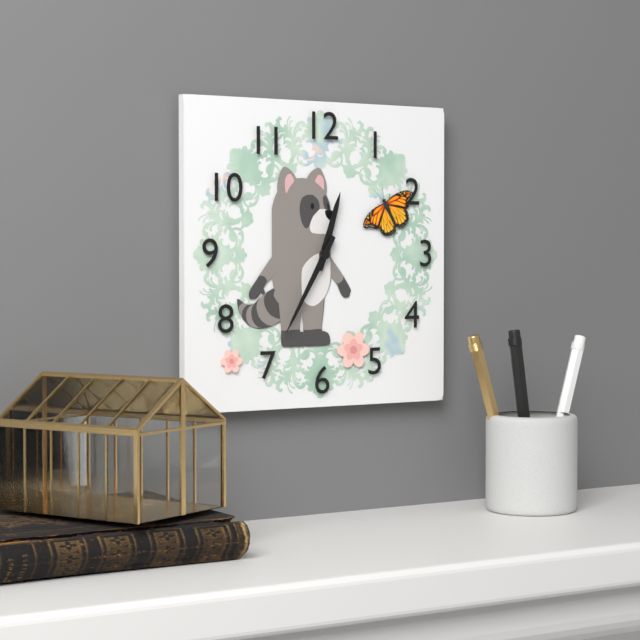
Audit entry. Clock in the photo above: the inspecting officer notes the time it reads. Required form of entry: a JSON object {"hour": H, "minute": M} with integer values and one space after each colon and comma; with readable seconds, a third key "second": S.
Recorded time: {"hour": 12, "minute": 35}
